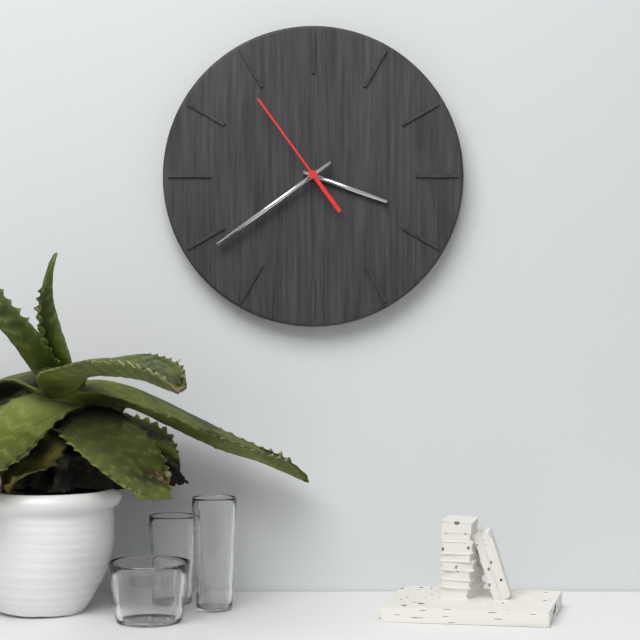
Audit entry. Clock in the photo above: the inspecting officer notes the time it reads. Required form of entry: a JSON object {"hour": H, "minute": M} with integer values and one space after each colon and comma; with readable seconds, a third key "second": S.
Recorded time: {"hour": 3, "minute": 39, "second": 54}
